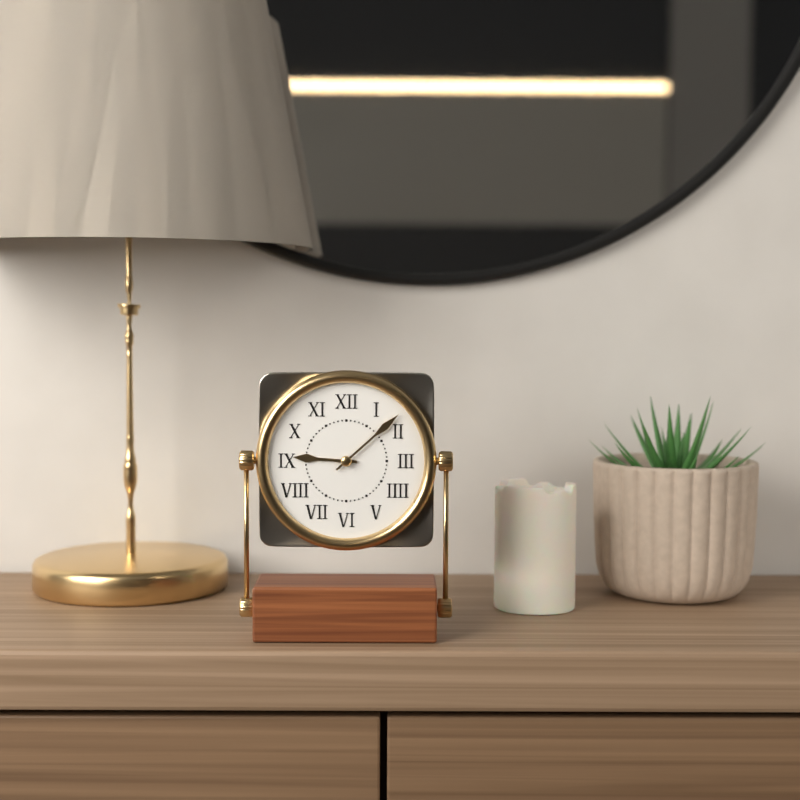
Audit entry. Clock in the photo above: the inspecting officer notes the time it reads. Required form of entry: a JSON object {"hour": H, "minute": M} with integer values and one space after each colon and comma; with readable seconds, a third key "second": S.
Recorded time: {"hour": 9, "minute": 8}
